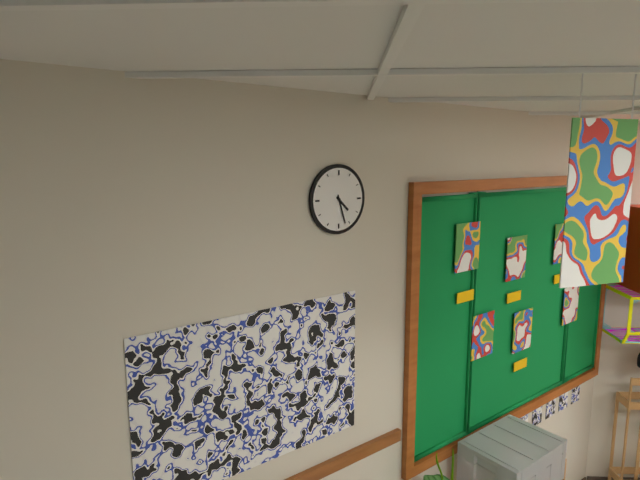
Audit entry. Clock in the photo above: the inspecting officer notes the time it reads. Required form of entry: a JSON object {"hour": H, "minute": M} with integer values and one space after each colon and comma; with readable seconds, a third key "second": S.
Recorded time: {"hour": 4, "minute": 27}
